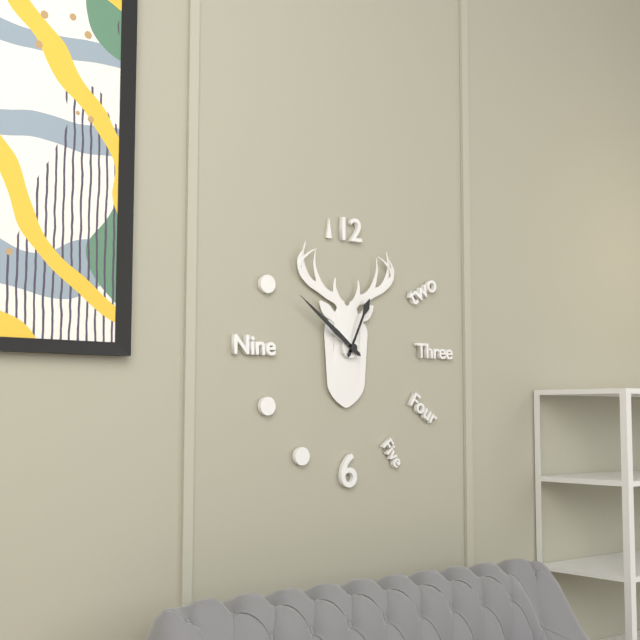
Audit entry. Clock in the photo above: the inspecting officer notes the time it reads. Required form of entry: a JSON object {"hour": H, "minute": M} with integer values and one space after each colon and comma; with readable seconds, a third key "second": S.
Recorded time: {"hour": 12, "minute": 51}
